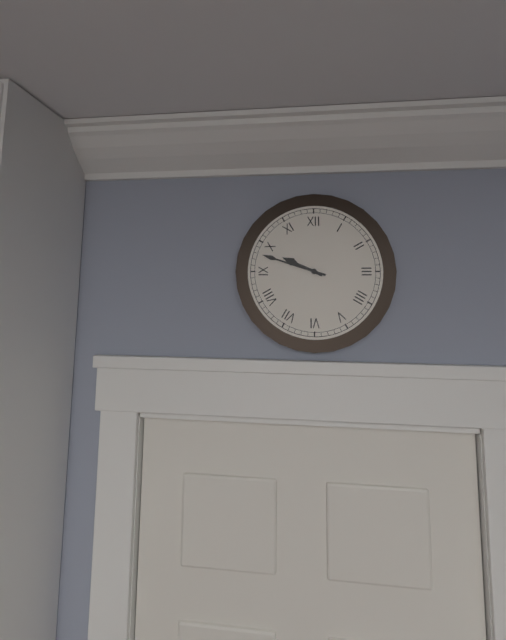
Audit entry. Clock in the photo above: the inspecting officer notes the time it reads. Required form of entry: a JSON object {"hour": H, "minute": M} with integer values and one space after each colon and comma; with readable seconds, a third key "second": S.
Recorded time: {"hour": 9, "minute": 48}
